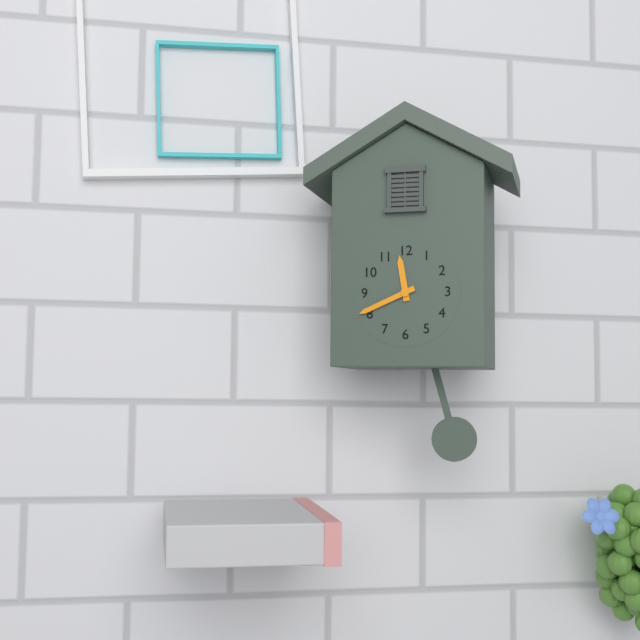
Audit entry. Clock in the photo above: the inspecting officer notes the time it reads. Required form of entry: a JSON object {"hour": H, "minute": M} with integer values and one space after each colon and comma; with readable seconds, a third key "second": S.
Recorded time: {"hour": 11, "minute": 41}
